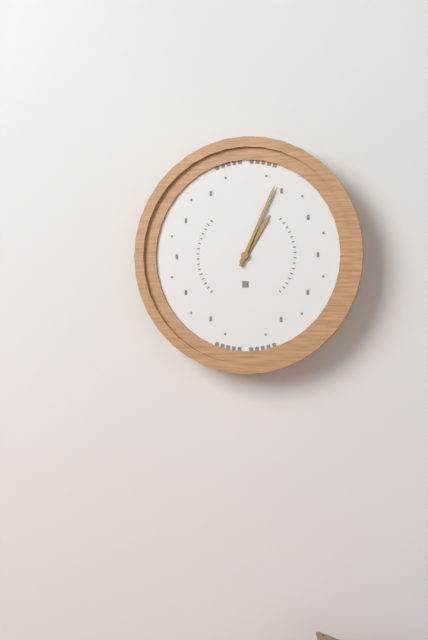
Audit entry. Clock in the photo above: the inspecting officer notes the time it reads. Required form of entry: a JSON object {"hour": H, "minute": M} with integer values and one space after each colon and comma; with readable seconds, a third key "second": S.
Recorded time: {"hour": 1, "minute": 4}
